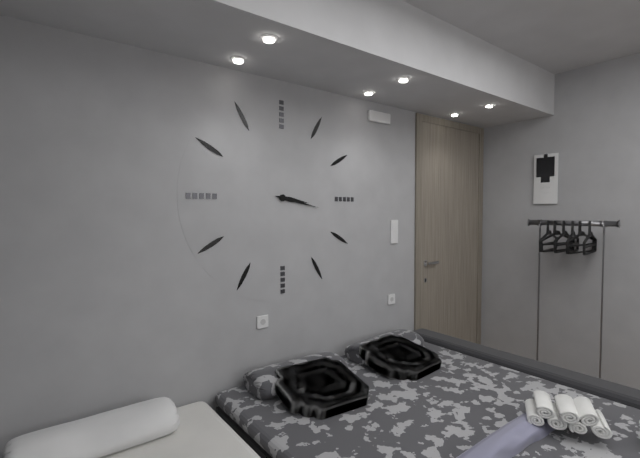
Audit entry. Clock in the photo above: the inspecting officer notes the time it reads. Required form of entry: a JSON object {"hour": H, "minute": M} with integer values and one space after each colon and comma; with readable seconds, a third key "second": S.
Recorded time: {"hour": 3, "minute": 17}
